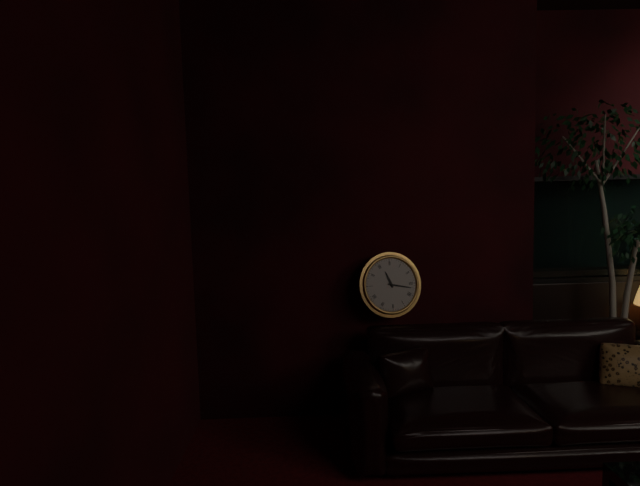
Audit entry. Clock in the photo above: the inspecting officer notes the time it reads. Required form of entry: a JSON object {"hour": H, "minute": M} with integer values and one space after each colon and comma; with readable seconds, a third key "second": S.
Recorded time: {"hour": 11, "minute": 17}
